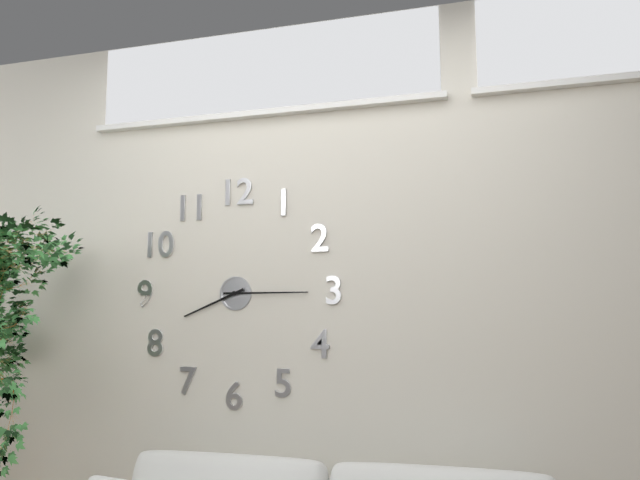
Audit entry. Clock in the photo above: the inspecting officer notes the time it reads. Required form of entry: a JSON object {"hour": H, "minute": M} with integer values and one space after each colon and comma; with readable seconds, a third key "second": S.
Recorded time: {"hour": 8, "minute": 15}
